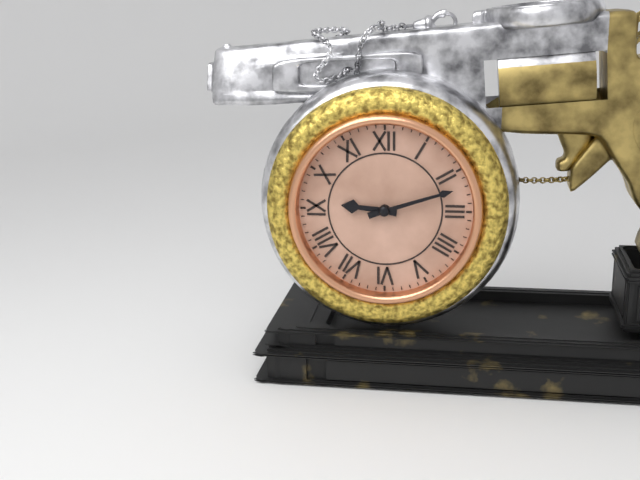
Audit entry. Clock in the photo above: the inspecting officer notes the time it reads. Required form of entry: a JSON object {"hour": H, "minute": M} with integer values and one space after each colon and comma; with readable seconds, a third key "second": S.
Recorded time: {"hour": 9, "minute": 12}
